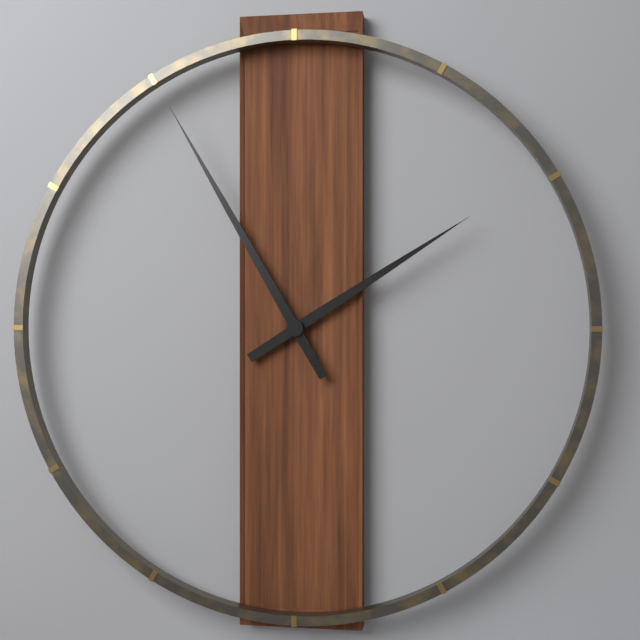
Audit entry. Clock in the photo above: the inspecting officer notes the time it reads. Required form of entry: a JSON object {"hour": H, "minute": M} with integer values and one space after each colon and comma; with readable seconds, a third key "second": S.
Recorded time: {"hour": 1, "minute": 55}
